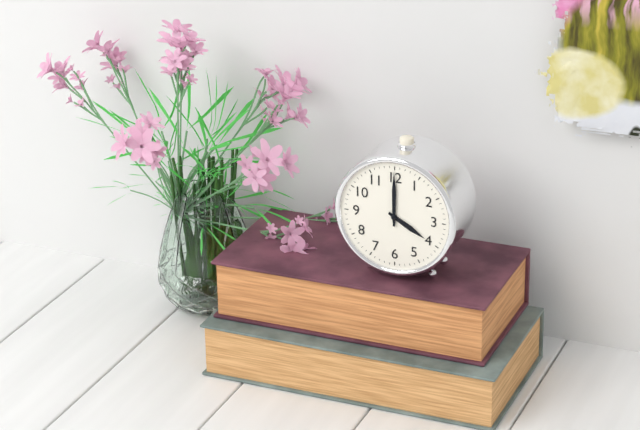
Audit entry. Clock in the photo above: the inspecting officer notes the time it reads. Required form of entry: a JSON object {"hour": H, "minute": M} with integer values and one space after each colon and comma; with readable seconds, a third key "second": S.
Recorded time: {"hour": 4, "minute": 0}
